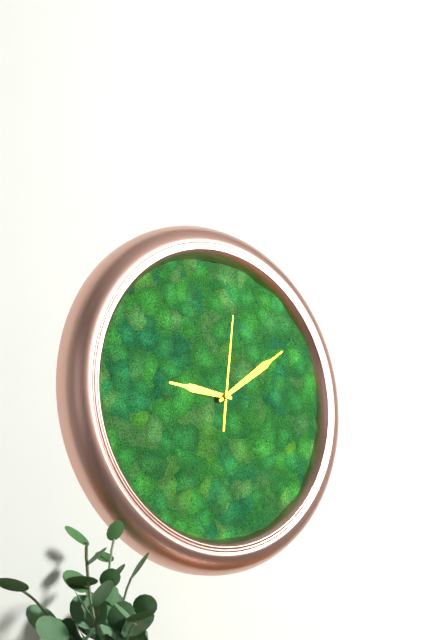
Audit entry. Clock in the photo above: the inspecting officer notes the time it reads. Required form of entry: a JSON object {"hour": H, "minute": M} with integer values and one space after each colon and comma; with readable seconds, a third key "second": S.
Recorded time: {"hour": 9, "minute": 9, "second": 1}
